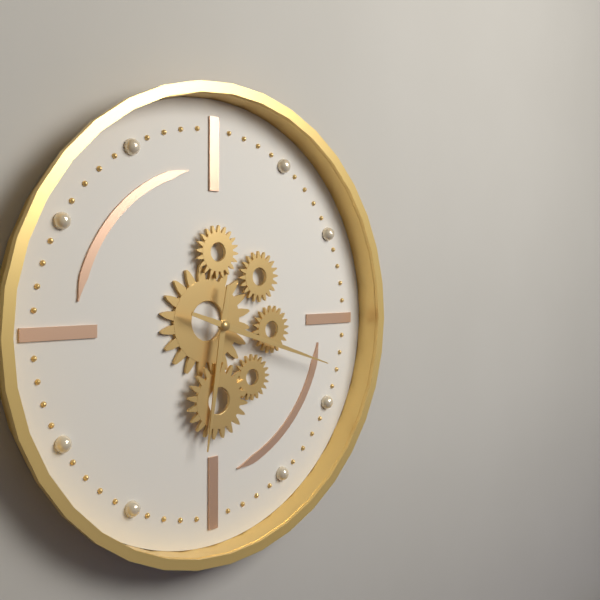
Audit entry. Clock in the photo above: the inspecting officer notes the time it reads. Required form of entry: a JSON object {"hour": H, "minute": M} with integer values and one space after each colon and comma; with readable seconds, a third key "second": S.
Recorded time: {"hour": 6, "minute": 18}
